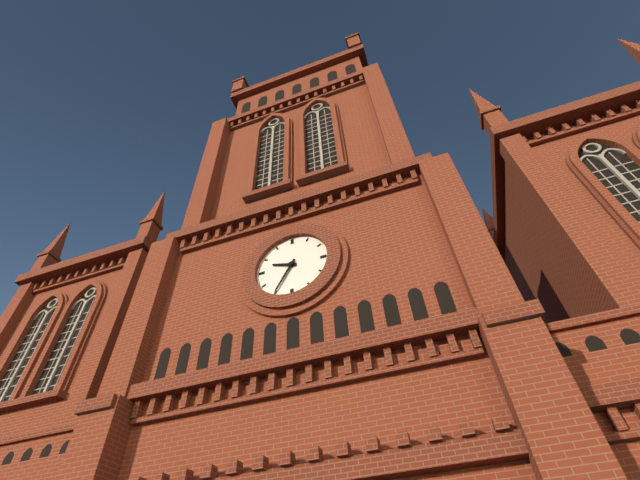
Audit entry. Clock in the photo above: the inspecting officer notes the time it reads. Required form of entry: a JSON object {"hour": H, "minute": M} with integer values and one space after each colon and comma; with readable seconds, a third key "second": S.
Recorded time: {"hour": 9, "minute": 35}
